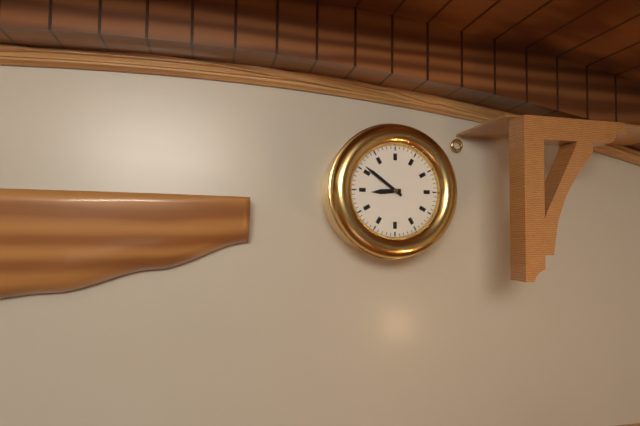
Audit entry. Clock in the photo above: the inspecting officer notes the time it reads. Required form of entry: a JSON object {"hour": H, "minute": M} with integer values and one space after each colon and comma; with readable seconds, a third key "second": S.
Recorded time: {"hour": 8, "minute": 51}
